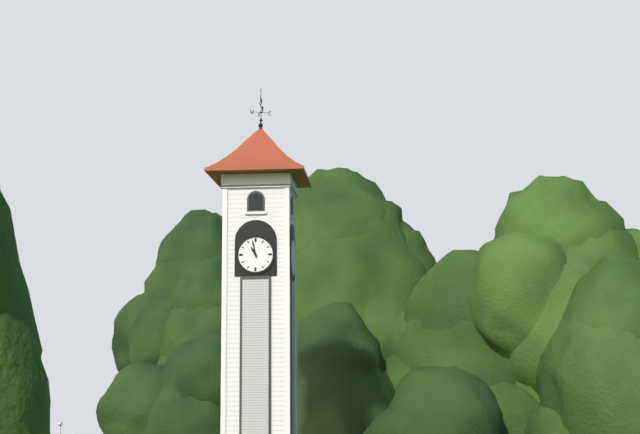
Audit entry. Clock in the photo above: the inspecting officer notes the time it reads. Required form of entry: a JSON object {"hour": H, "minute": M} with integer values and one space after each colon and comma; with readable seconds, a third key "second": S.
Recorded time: {"hour": 10, "minute": 58}
